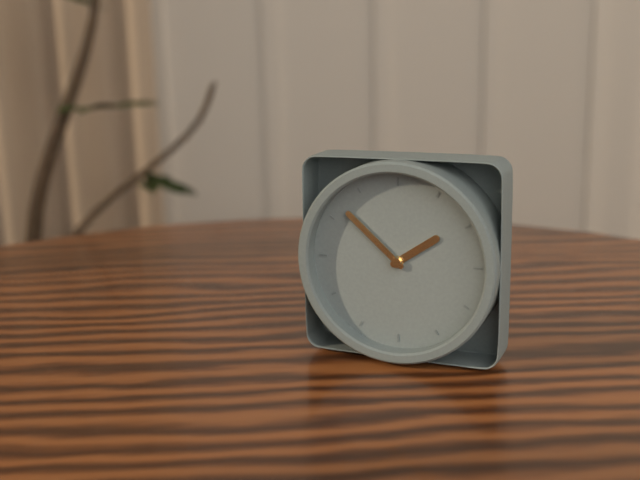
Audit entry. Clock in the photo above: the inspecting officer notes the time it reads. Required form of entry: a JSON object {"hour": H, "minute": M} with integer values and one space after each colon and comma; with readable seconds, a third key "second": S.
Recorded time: {"hour": 1, "minute": 52}
